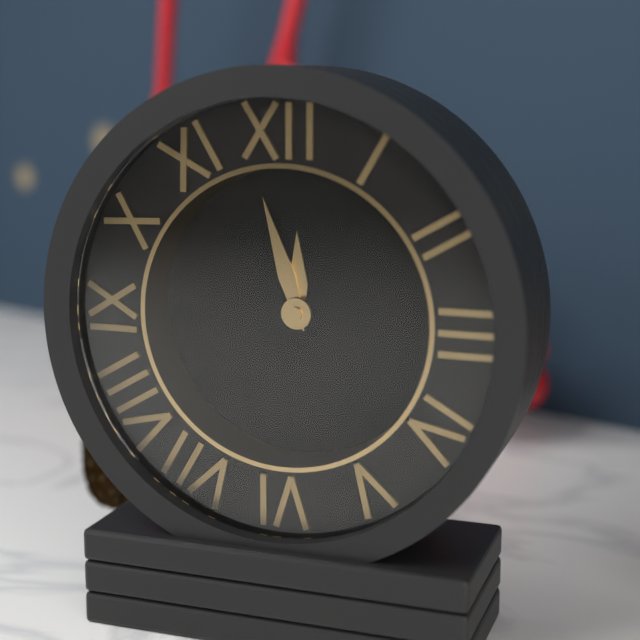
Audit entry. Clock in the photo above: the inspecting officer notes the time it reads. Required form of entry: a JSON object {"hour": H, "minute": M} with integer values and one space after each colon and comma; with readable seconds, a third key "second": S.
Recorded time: {"hour": 11, "minute": 57}
